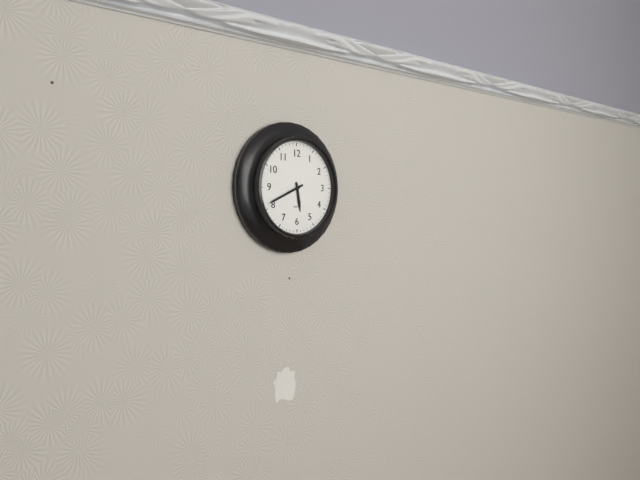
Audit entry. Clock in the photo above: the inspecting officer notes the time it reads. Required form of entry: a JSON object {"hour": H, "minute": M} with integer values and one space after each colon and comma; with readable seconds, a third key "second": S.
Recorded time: {"hour": 5, "minute": 41}
